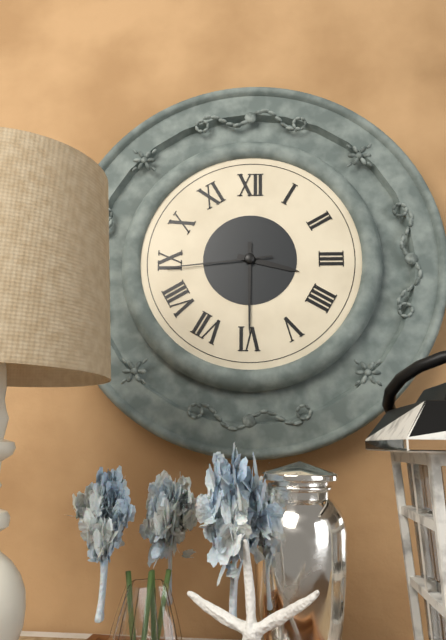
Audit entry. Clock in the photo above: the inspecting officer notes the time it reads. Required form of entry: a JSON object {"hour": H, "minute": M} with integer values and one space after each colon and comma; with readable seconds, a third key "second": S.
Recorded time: {"hour": 3, "minute": 30, "second": 44}
